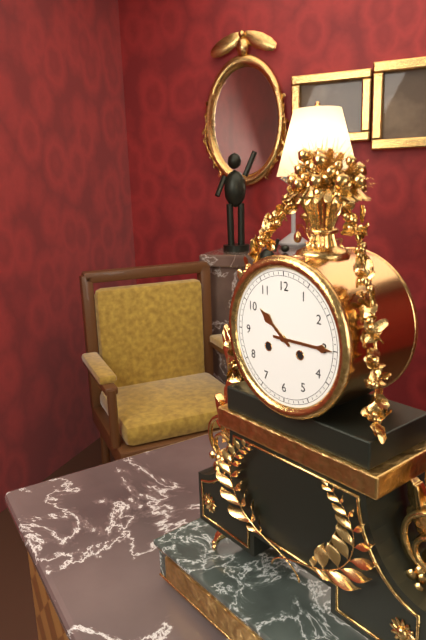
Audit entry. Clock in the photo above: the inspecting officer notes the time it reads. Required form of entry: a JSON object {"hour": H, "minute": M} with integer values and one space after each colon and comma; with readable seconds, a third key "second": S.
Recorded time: {"hour": 10, "minute": 15}
